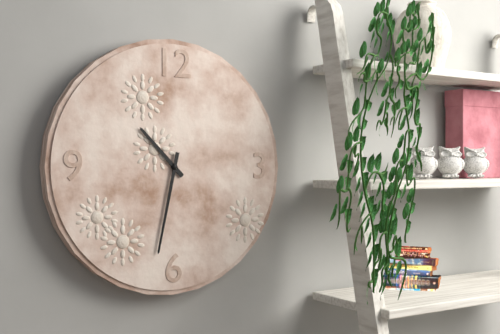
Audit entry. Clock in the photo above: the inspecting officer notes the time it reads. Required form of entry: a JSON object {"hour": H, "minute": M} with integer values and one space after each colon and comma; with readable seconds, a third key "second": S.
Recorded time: {"hour": 10, "minute": 32}
